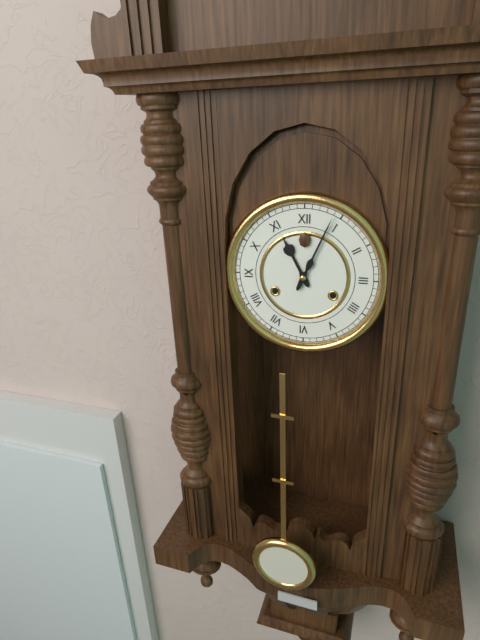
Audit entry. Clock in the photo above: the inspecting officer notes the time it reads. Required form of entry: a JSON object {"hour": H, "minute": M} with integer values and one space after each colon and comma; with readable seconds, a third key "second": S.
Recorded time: {"hour": 11, "minute": 4}
